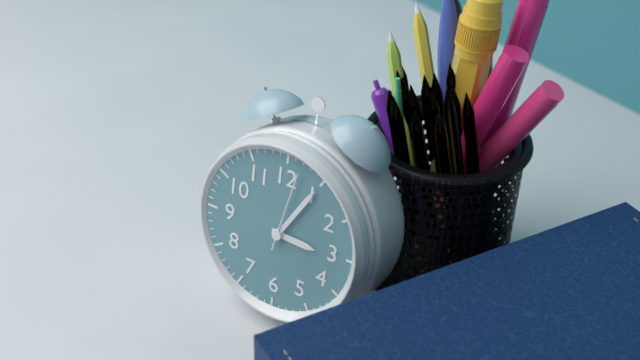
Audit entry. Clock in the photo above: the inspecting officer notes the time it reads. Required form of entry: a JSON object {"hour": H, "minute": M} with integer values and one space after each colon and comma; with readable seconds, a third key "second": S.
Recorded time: {"hour": 3, "minute": 5, "second": 2}
